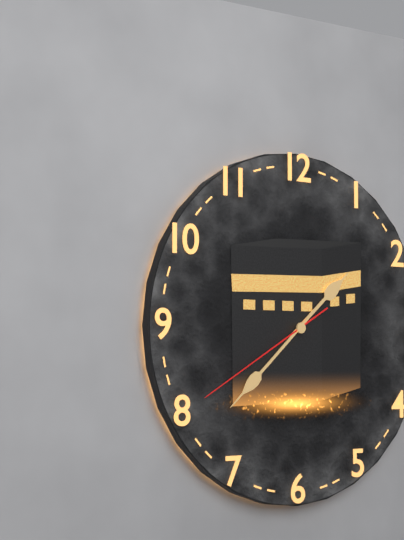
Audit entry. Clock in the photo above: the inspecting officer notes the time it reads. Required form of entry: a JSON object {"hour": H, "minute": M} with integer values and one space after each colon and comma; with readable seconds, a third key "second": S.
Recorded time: {"hour": 1, "minute": 38, "second": 40}
